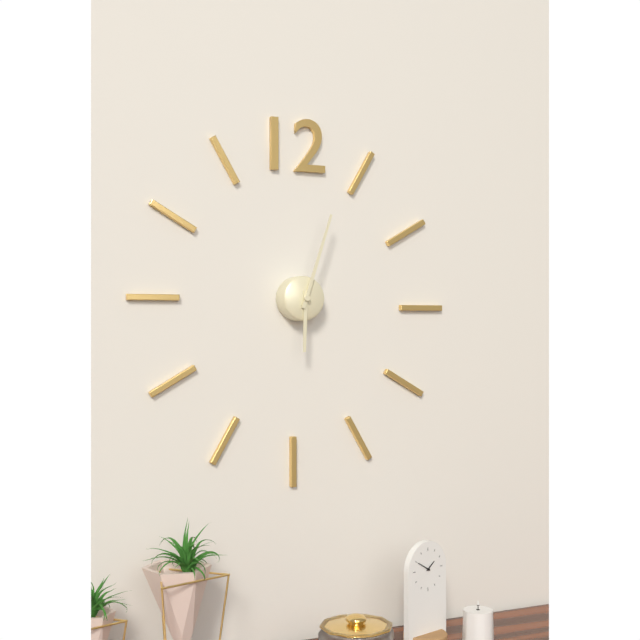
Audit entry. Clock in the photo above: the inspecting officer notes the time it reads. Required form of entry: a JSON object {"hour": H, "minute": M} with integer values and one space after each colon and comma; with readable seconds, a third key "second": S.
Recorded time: {"hour": 6, "minute": 3}
